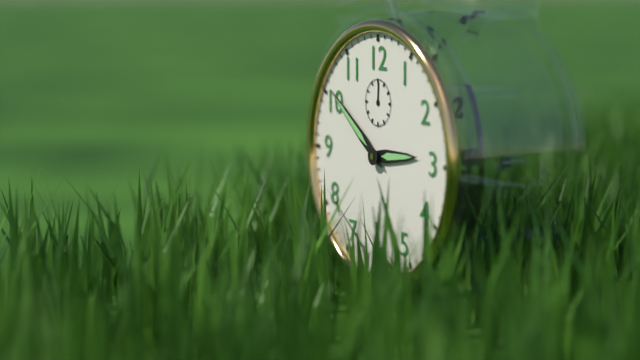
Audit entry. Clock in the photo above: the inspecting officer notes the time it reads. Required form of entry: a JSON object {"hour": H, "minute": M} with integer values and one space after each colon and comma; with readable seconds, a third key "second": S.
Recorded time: {"hour": 2, "minute": 51}
